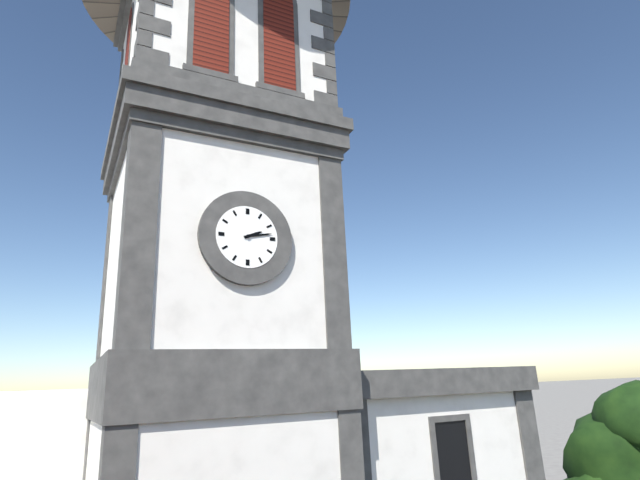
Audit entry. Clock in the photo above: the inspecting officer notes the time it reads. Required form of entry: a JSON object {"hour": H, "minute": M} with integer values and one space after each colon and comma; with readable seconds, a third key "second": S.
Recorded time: {"hour": 2, "minute": 13}
